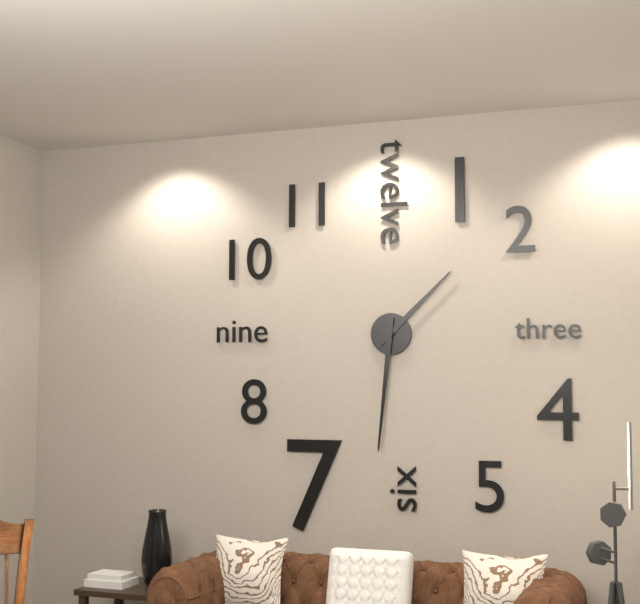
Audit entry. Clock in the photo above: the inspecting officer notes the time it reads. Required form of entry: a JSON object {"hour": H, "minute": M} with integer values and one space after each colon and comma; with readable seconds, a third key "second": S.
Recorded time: {"hour": 1, "minute": 31}
